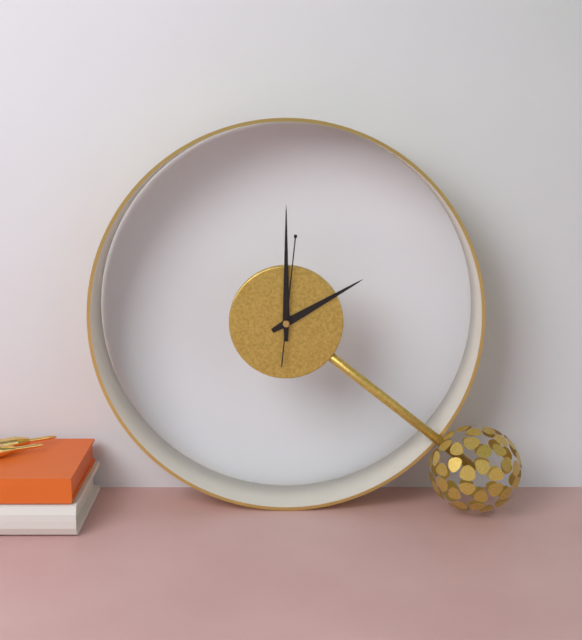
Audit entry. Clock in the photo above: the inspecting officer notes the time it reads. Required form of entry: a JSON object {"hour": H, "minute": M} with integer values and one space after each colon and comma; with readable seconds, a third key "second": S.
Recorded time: {"hour": 2, "minute": 0, "second": 1}
